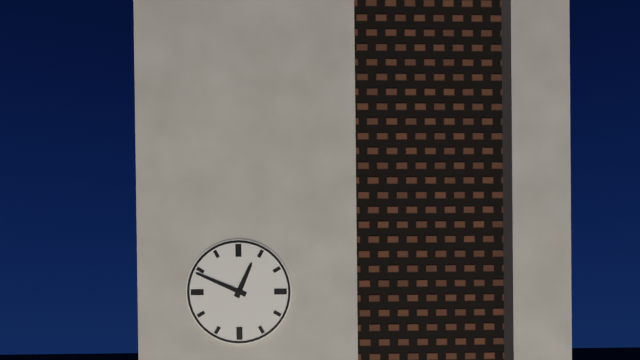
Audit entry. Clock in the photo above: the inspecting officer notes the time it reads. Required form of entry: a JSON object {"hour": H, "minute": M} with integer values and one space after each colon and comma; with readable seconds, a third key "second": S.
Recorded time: {"hour": 12, "minute": 49}
